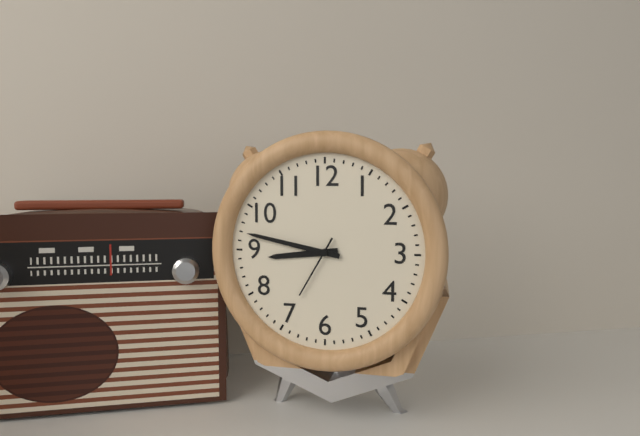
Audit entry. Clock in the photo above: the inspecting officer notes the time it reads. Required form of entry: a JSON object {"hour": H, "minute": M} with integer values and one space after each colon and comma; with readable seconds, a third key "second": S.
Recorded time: {"hour": 8, "minute": 47, "second": 35}
